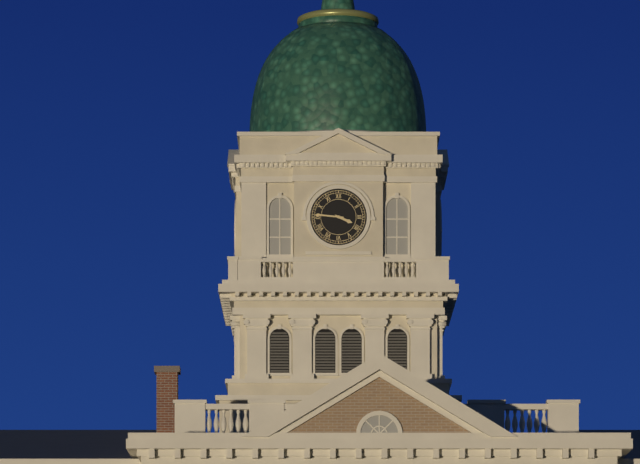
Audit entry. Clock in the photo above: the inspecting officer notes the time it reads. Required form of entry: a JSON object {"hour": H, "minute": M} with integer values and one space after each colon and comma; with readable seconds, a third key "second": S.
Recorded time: {"hour": 3, "minute": 46}
